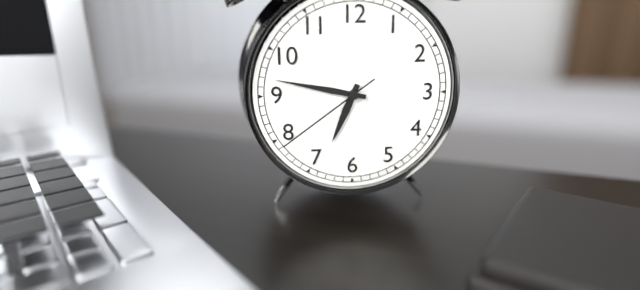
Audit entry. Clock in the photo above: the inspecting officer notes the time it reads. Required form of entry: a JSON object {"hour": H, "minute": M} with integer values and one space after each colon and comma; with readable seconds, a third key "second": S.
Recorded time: {"hour": 6, "minute": 47, "second": 39}
